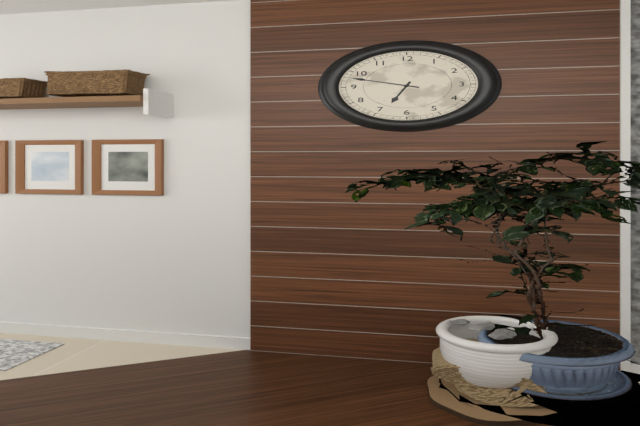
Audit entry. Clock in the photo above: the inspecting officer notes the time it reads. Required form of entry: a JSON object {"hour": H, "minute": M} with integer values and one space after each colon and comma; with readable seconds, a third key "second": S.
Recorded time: {"hour": 6, "minute": 48}
